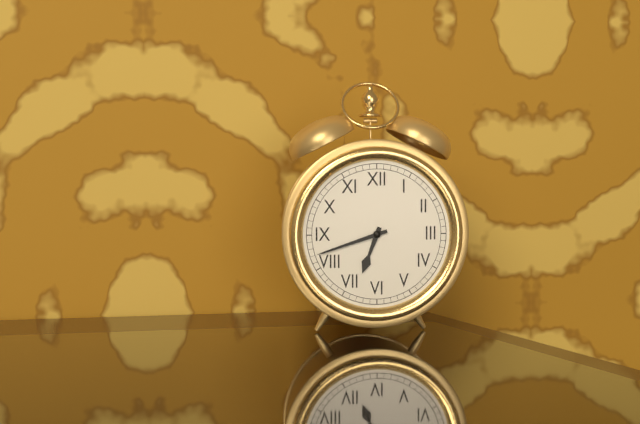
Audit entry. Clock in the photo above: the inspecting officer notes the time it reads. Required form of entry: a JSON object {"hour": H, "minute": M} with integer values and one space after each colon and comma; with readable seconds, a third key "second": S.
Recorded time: {"hour": 6, "minute": 42}
